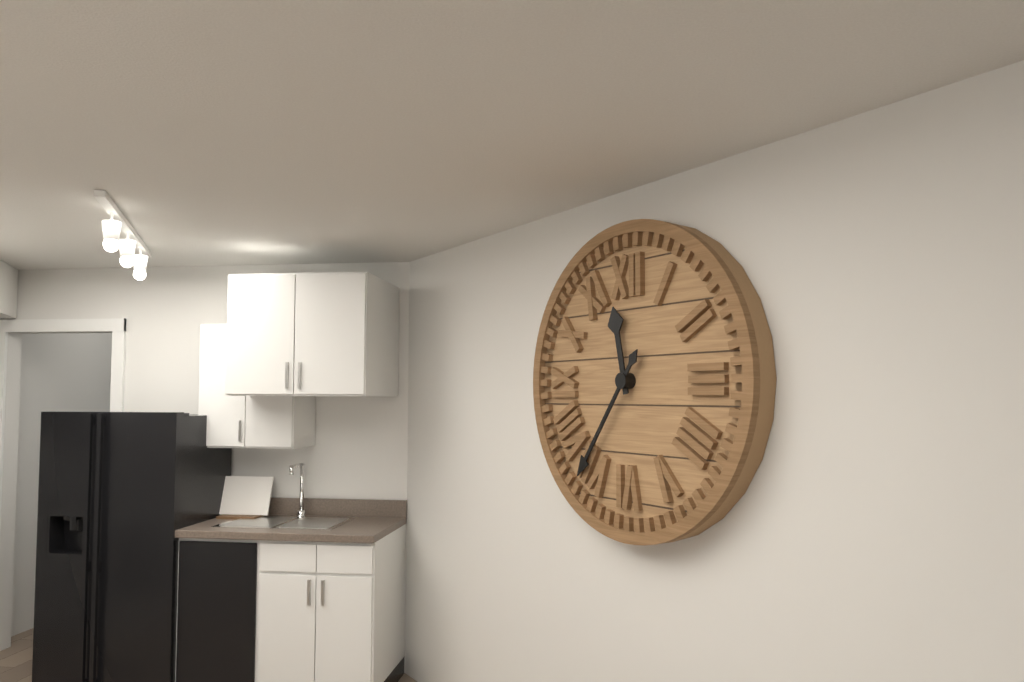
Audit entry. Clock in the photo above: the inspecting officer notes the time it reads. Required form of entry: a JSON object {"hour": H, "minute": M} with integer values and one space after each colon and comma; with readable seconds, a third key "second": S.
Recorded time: {"hour": 11, "minute": 36}
